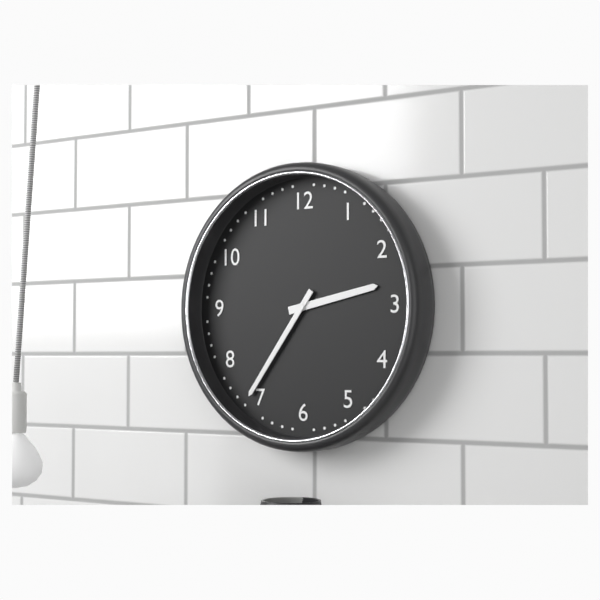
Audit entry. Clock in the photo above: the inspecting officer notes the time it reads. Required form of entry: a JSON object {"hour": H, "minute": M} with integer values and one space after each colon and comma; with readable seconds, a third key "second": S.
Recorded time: {"hour": 2, "minute": 36}
